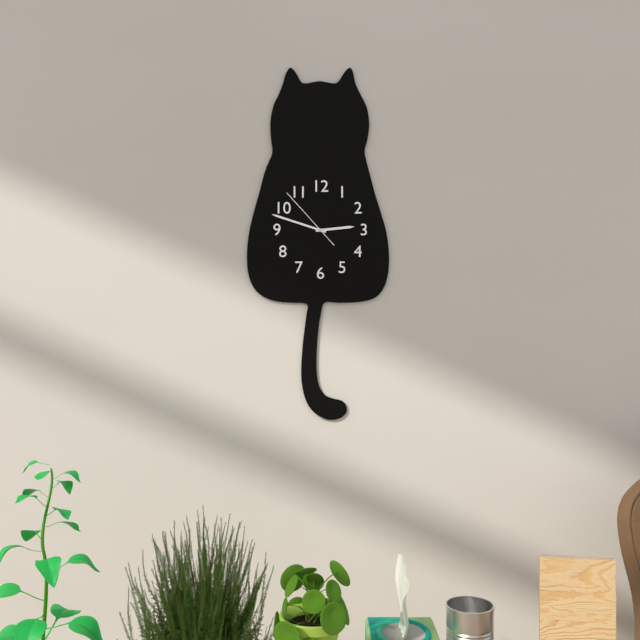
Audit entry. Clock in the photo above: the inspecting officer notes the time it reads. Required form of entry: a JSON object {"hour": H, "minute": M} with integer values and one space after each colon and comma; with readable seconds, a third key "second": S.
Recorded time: {"hour": 2, "minute": 48, "second": 53}
